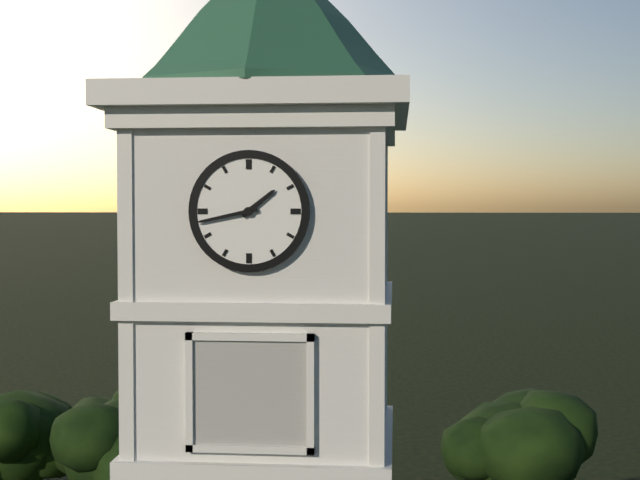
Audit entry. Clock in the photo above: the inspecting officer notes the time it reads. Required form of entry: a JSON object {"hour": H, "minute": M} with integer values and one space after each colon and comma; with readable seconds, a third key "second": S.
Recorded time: {"hour": 1, "minute": 43}
